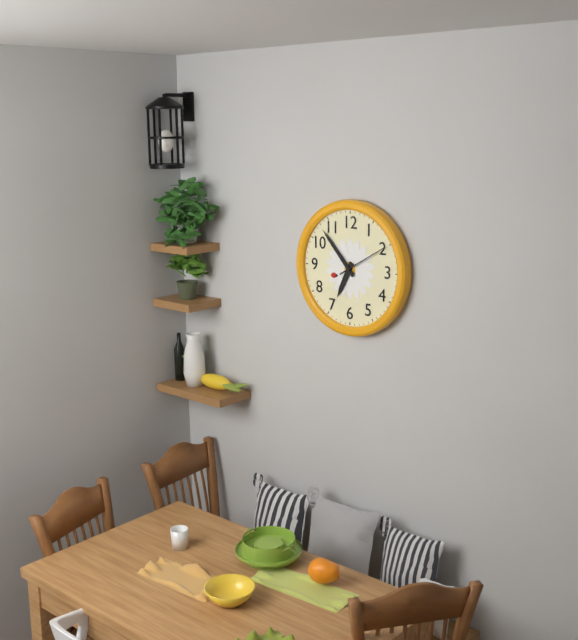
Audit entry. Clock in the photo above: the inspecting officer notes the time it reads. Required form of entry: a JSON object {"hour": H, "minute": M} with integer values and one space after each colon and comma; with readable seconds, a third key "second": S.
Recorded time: {"hour": 6, "minute": 53}
